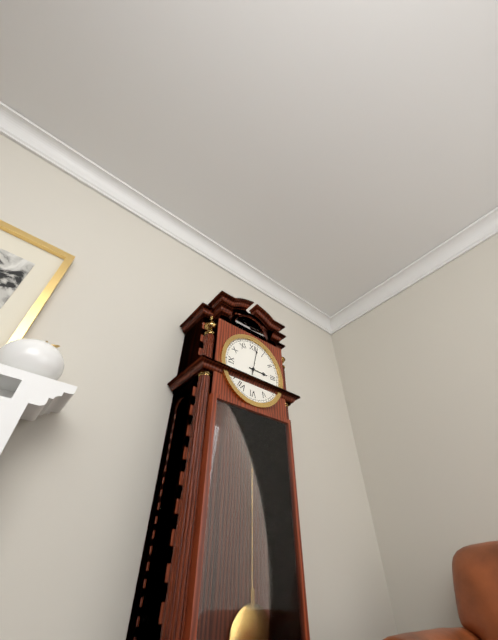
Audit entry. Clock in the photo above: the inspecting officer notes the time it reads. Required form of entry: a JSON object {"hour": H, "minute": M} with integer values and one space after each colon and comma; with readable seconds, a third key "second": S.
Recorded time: {"hour": 3, "minute": 2}
